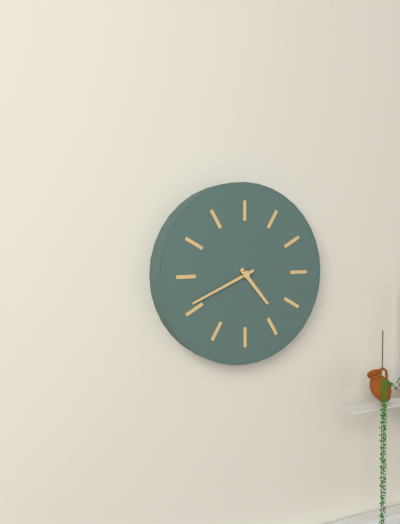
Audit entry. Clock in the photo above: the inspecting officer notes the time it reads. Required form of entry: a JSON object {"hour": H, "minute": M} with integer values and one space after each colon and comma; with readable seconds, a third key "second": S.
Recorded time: {"hour": 4, "minute": 41}
